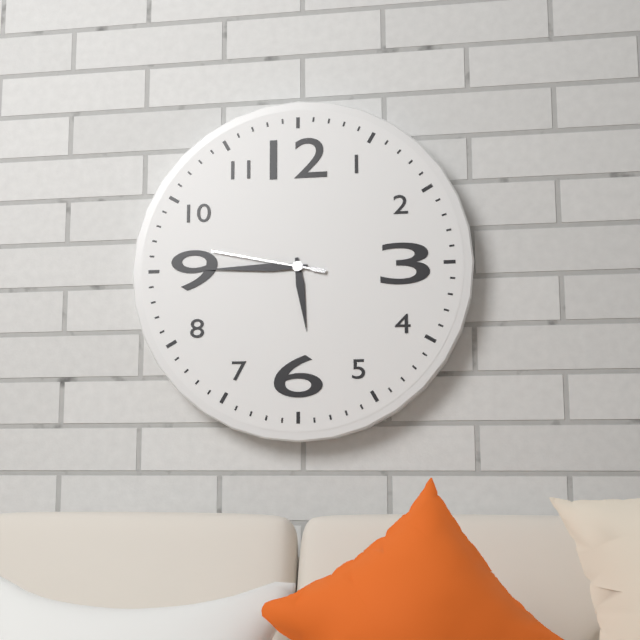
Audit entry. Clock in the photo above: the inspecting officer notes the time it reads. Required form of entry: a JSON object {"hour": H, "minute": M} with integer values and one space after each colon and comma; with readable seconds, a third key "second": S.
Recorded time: {"hour": 5, "minute": 45, "second": 47}
